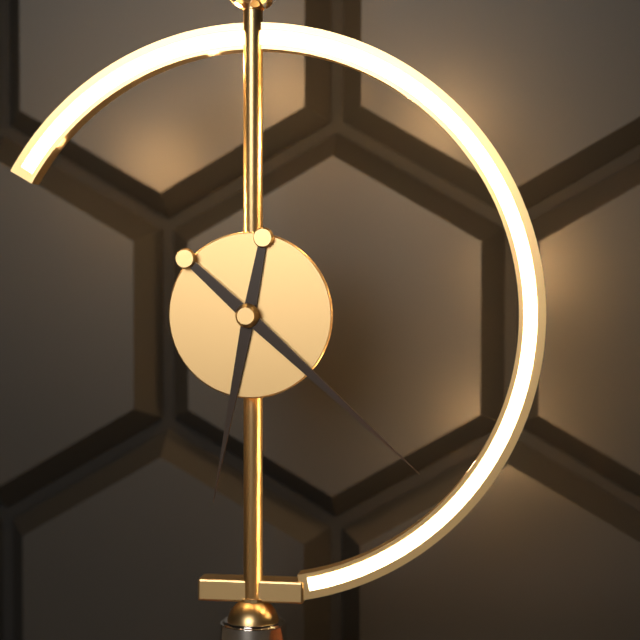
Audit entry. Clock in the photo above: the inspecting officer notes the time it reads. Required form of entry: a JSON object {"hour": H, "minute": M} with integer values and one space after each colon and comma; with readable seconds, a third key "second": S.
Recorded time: {"hour": 6, "minute": 22}
